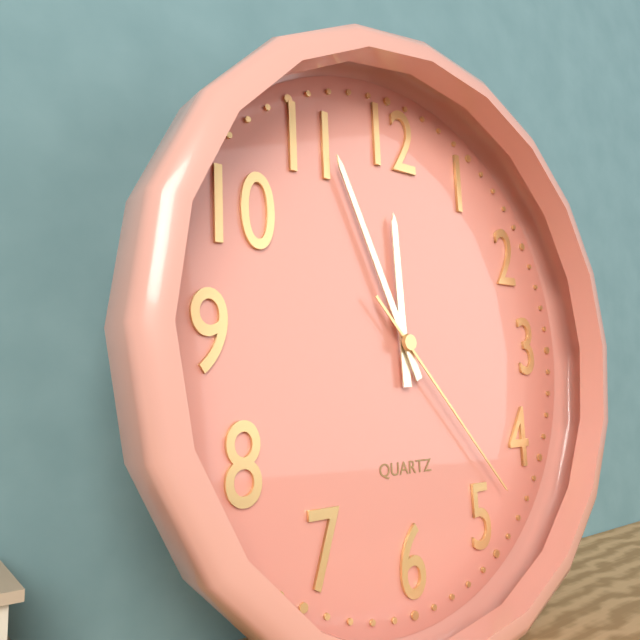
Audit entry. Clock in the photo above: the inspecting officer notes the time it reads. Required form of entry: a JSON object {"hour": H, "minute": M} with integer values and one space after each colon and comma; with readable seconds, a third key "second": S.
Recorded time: {"hour": 11, "minute": 56, "second": 23}
